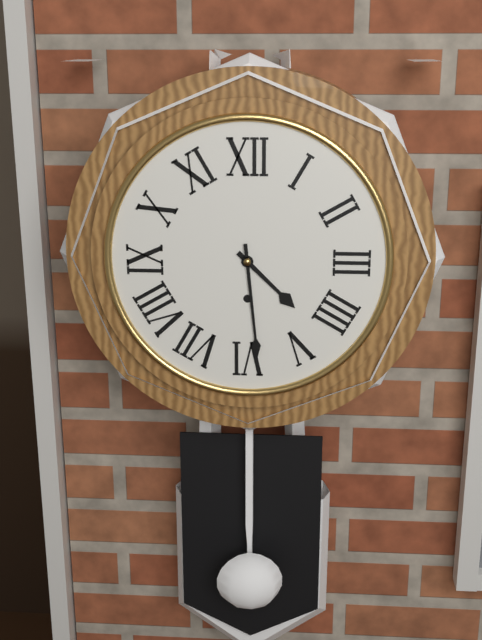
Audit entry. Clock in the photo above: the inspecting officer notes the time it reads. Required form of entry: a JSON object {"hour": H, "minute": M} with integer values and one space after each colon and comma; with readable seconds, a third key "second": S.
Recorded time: {"hour": 4, "minute": 29}
